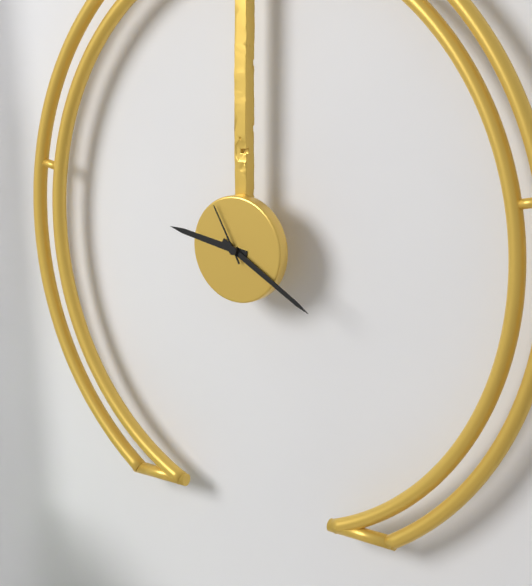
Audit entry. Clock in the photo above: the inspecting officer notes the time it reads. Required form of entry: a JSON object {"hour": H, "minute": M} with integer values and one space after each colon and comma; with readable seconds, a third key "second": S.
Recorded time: {"hour": 9, "minute": 20, "second": 55}
